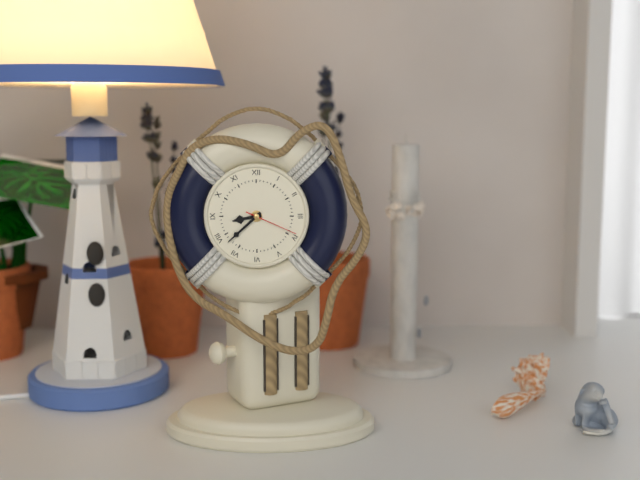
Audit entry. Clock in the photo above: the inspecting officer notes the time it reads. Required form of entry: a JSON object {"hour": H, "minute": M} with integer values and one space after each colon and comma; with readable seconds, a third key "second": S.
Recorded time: {"hour": 8, "minute": 38, "second": 19}
